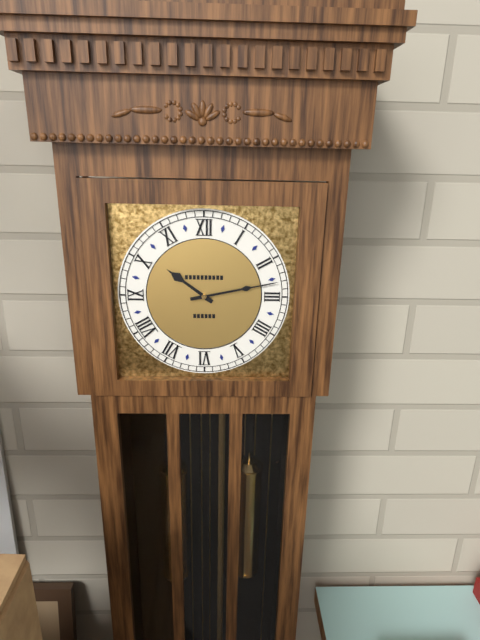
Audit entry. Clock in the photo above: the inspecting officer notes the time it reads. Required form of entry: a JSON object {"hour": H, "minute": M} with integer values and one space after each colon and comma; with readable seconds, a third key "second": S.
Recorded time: {"hour": 10, "minute": 13}
